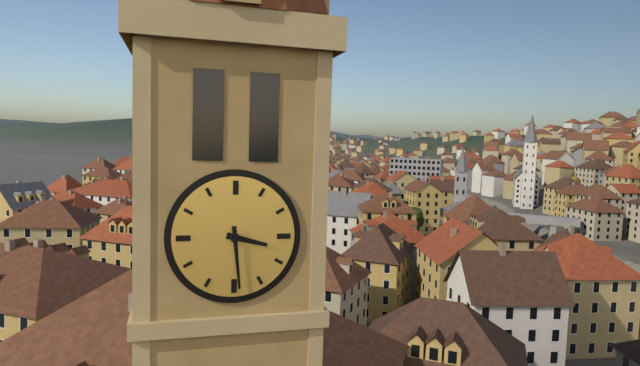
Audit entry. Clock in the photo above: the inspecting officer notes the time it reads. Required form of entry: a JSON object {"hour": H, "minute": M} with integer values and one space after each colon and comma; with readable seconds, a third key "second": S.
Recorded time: {"hour": 3, "minute": 29}
